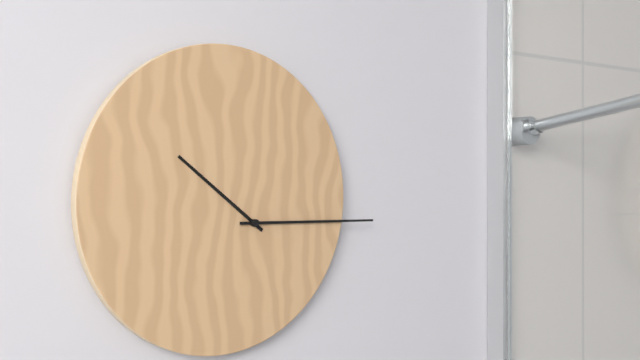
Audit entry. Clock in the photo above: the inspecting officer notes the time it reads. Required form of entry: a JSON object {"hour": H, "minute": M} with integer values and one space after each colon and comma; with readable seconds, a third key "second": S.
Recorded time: {"hour": 10, "minute": 15}
